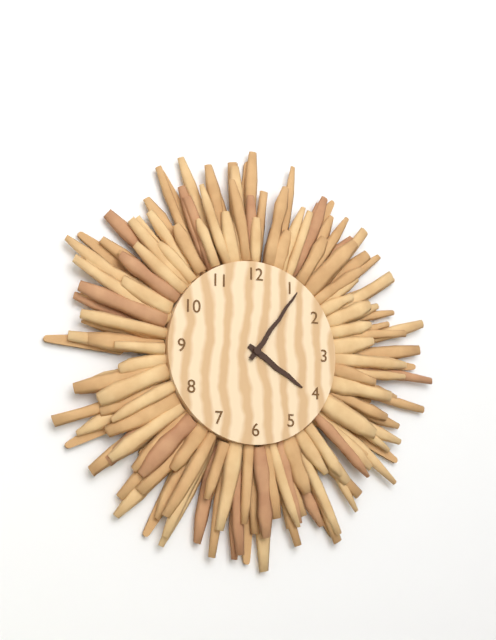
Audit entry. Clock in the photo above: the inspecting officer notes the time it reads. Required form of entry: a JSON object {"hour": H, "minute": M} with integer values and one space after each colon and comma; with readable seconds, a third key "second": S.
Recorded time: {"hour": 4, "minute": 6}
